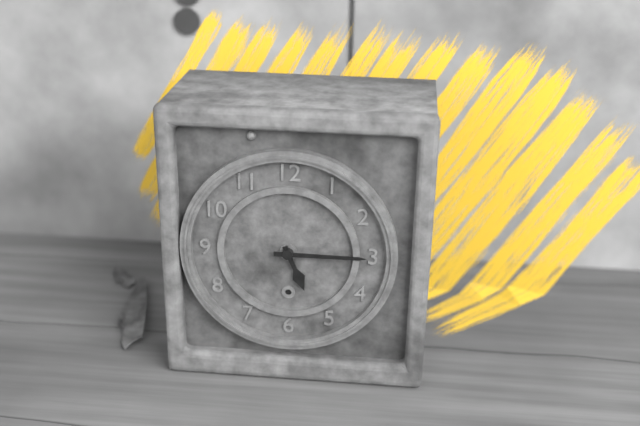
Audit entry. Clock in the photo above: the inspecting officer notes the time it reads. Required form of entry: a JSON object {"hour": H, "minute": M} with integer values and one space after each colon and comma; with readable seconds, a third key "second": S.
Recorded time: {"hour": 5, "minute": 15}
